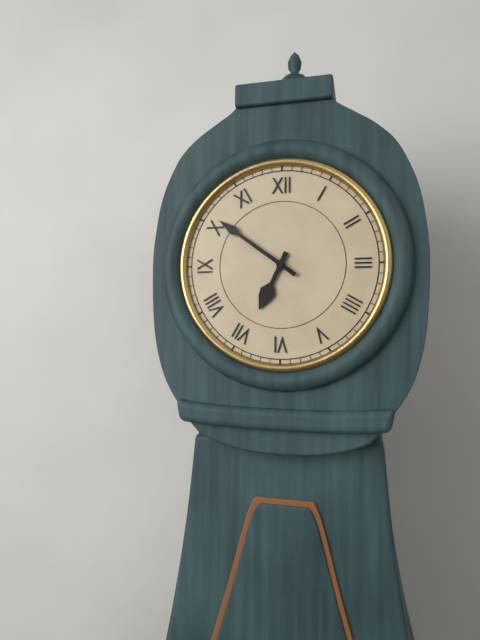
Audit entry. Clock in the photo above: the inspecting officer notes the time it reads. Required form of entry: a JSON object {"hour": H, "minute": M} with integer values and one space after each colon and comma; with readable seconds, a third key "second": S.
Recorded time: {"hour": 6, "minute": 51}
